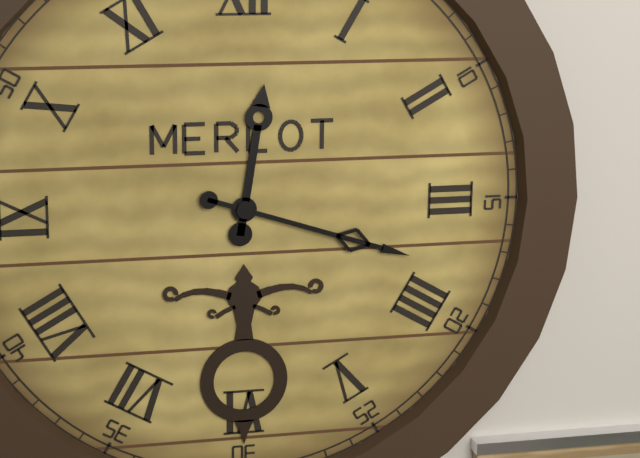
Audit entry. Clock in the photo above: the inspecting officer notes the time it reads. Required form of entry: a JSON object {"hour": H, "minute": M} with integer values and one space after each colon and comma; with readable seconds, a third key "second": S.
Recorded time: {"hour": 12, "minute": 18}
